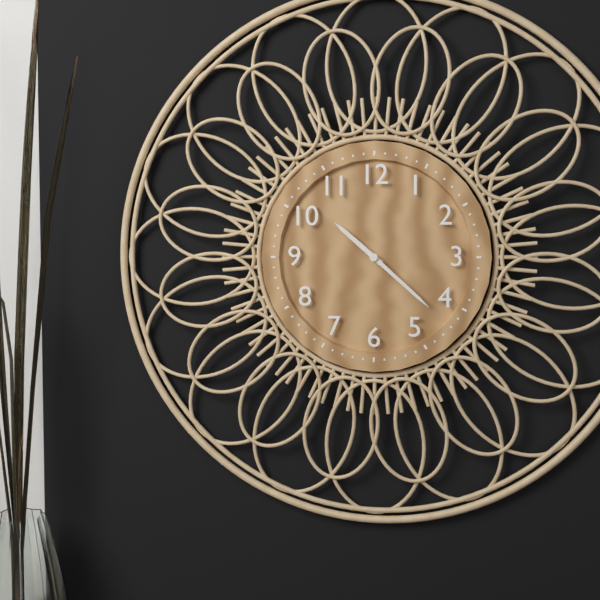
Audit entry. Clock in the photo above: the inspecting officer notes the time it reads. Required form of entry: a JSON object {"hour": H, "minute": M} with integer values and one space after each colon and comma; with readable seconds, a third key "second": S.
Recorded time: {"hour": 10, "minute": 22}
